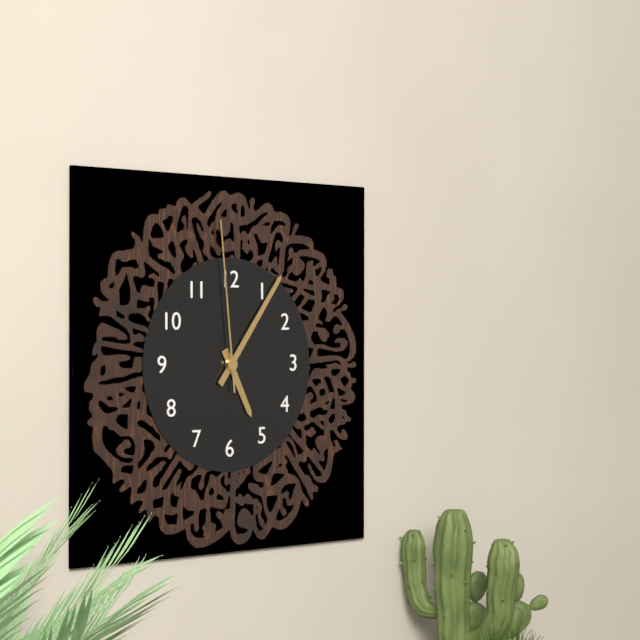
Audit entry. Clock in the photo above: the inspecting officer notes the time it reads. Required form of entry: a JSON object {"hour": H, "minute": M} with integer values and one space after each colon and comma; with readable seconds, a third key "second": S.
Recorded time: {"hour": 5, "minute": 6, "second": 59}
